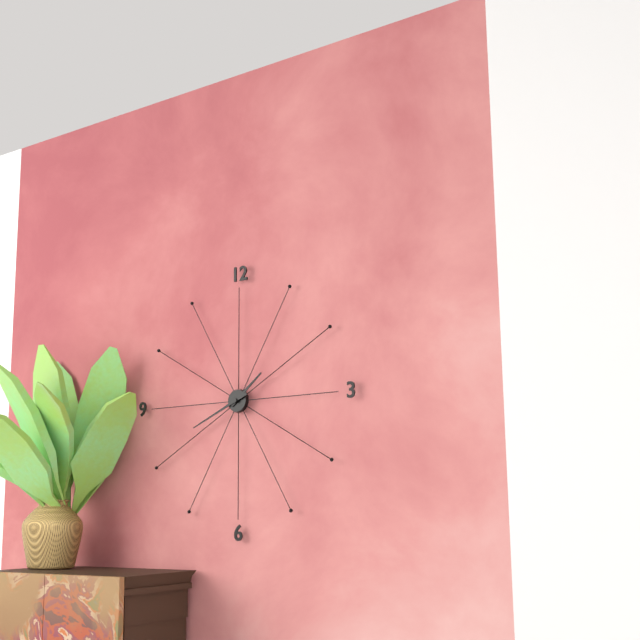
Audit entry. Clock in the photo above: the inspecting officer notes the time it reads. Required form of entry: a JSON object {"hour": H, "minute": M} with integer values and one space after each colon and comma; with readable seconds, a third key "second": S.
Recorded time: {"hour": 1, "minute": 41}
